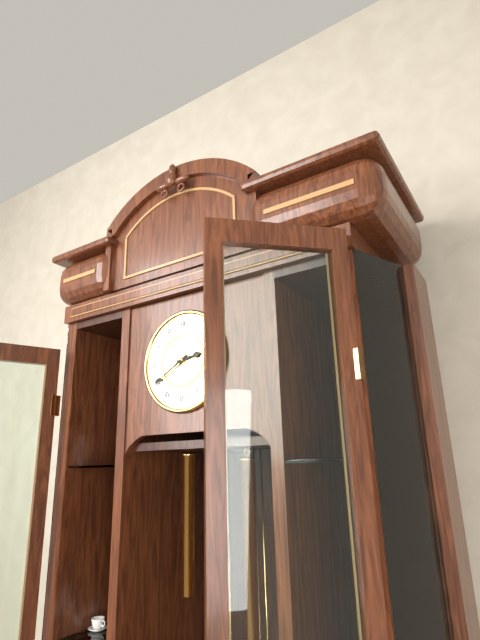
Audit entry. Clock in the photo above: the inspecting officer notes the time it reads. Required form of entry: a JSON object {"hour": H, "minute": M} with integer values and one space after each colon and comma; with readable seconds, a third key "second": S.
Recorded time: {"hour": 2, "minute": 40}
